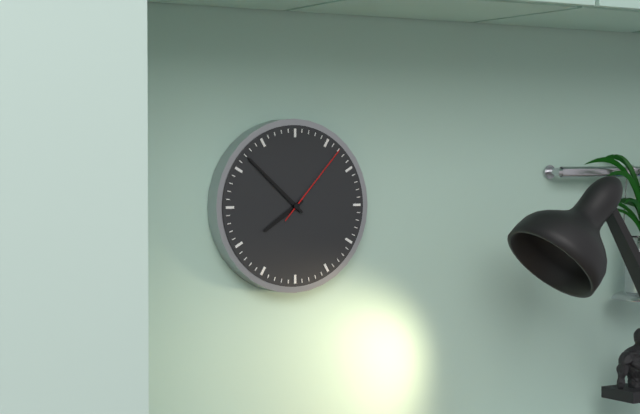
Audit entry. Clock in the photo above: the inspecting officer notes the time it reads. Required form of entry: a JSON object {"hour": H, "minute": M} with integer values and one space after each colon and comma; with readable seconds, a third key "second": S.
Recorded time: {"hour": 7, "minute": 52, "second": 7}
